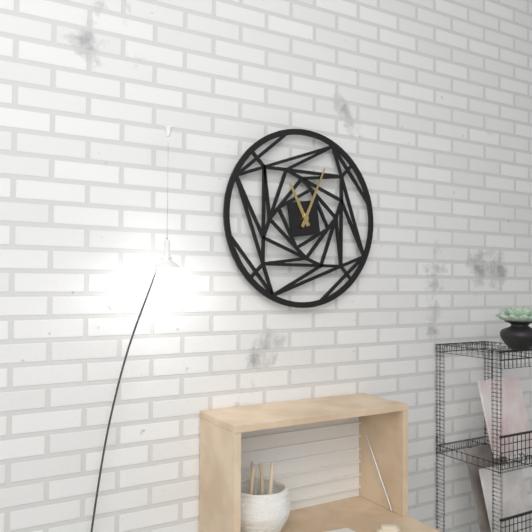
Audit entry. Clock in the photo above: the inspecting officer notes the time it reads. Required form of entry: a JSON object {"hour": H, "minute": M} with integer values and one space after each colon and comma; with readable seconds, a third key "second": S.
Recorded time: {"hour": 11, "minute": 4}
